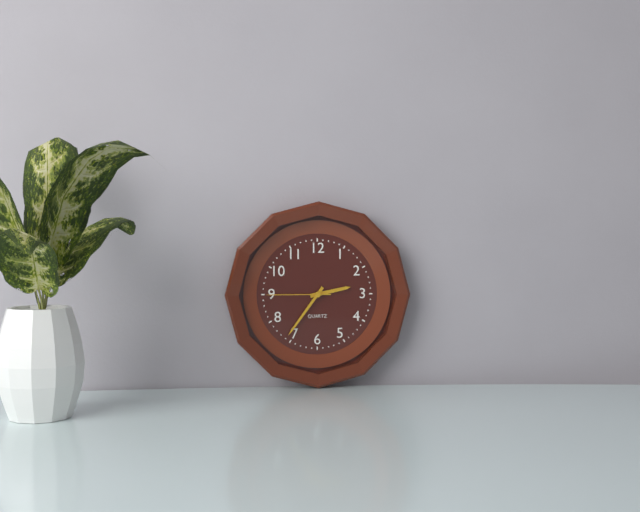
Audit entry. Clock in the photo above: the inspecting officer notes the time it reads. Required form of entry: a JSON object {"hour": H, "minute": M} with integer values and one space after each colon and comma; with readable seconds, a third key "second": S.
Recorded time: {"hour": 2, "minute": 36, "second": 45}
